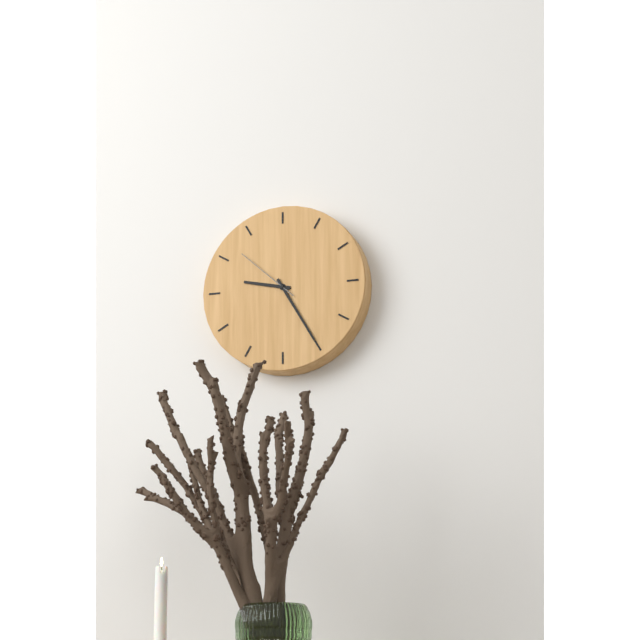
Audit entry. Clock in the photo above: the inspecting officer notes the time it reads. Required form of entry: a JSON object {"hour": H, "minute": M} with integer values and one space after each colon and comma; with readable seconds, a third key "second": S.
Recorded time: {"hour": 9, "minute": 25, "second": 52}
